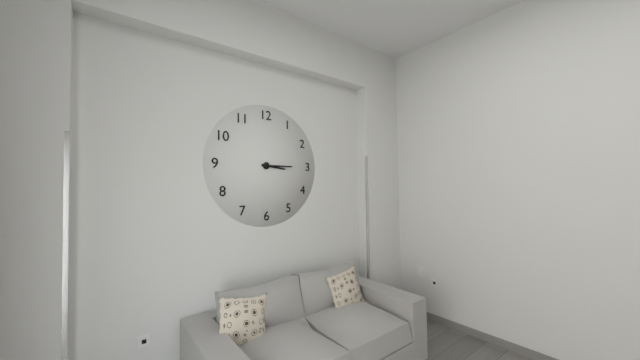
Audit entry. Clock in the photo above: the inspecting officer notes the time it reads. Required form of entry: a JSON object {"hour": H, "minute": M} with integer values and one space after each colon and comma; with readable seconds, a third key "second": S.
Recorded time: {"hour": 3, "minute": 15}
